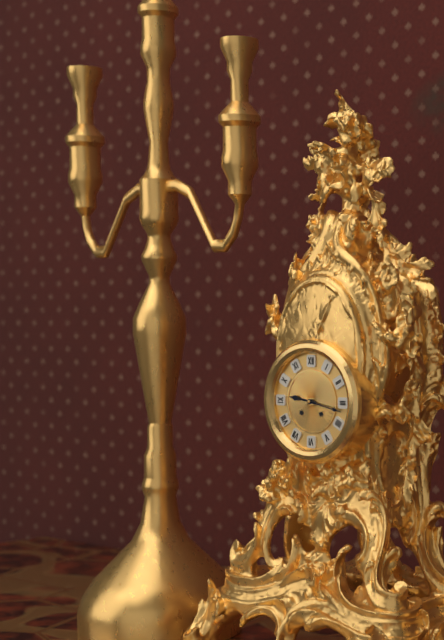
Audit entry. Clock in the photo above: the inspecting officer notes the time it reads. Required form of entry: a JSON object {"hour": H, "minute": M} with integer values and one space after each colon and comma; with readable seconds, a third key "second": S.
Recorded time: {"hour": 9, "minute": 17}
